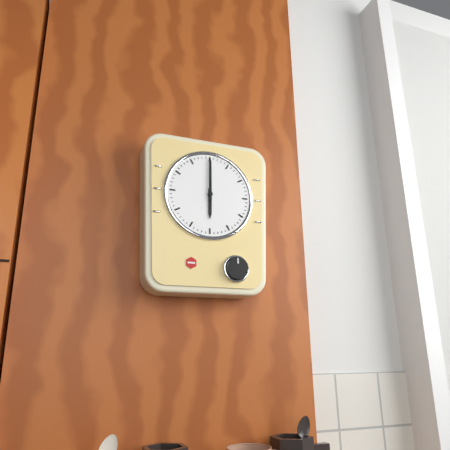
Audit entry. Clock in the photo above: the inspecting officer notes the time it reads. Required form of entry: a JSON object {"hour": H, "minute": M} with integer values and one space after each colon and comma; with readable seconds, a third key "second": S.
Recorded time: {"hour": 6, "minute": 0}
